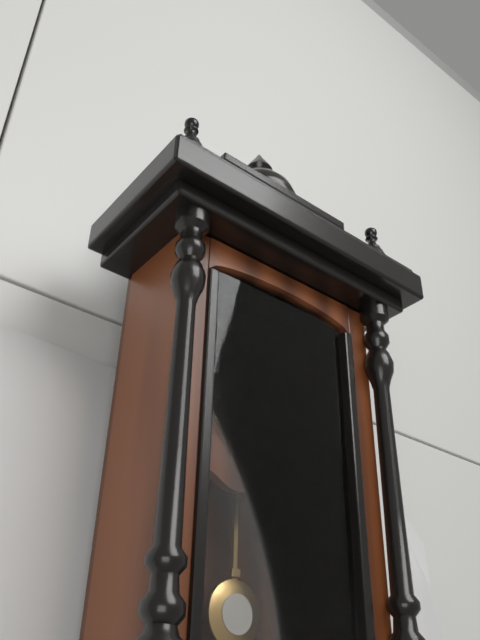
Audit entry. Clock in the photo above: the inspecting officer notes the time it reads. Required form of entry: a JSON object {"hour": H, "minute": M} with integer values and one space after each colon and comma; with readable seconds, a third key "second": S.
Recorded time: {"hour": 5, "minute": 29}
